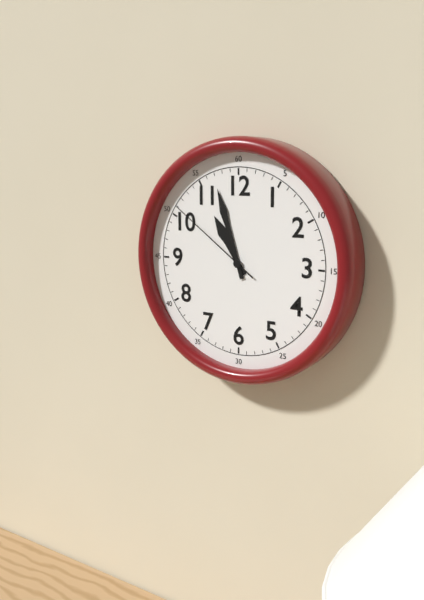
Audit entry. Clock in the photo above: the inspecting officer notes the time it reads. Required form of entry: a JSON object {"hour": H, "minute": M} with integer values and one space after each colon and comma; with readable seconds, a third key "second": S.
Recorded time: {"hour": 10, "minute": 57, "second": 51}
